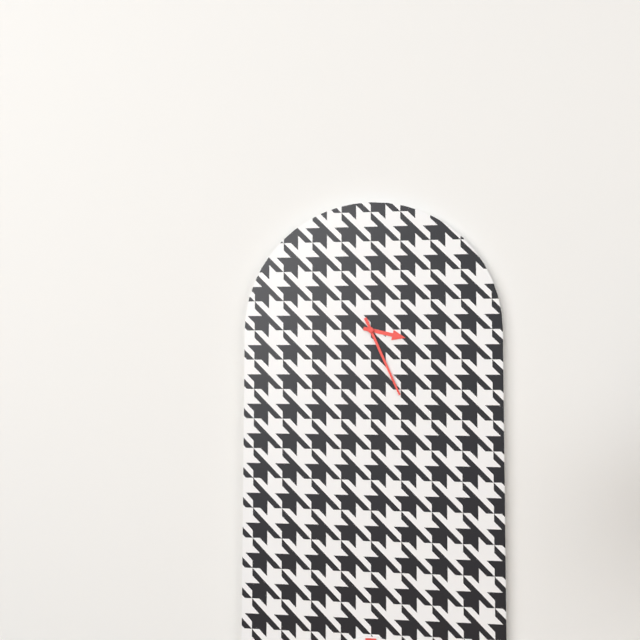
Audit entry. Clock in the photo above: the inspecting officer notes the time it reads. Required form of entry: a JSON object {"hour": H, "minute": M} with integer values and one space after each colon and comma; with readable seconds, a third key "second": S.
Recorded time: {"hour": 3, "minute": 26}
